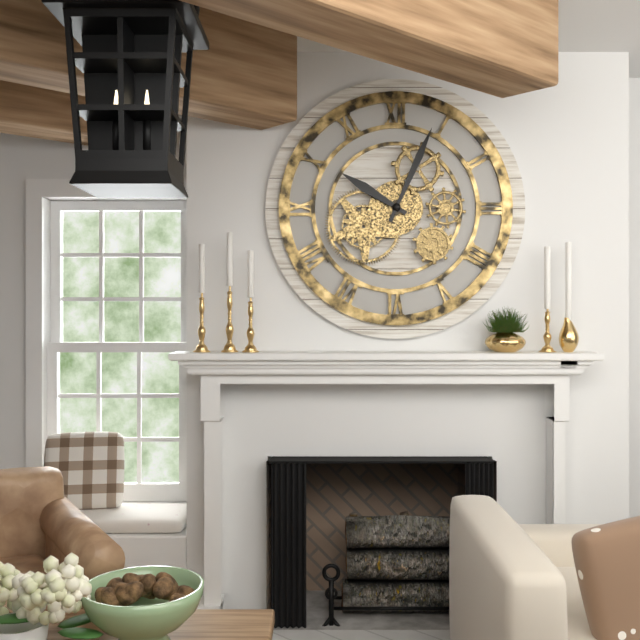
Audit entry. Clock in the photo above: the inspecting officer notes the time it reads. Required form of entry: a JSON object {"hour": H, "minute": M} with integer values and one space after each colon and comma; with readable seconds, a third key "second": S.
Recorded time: {"hour": 10, "minute": 4}
